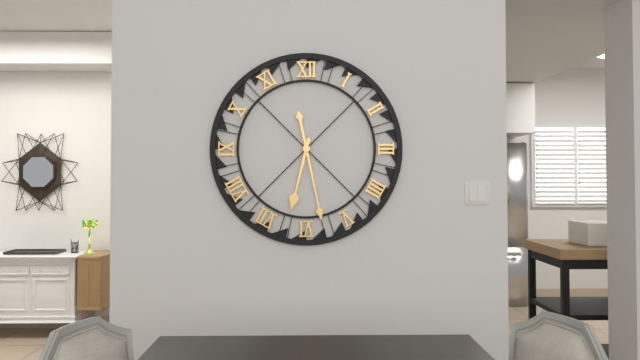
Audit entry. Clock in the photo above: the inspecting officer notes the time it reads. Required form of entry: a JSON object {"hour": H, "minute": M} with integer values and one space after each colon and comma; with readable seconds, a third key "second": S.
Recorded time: {"hour": 6, "minute": 28}
